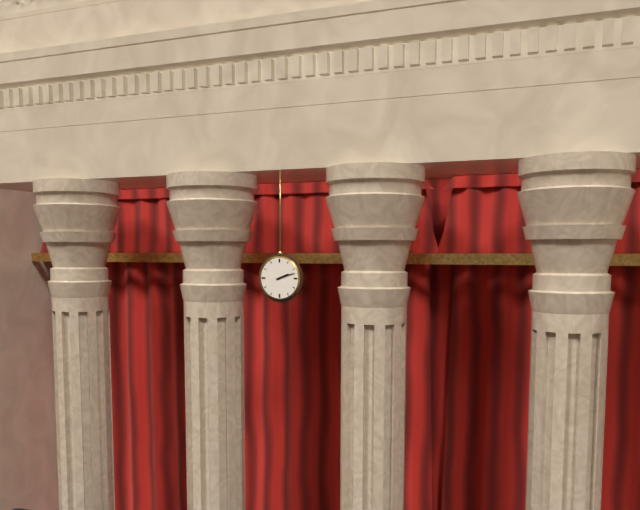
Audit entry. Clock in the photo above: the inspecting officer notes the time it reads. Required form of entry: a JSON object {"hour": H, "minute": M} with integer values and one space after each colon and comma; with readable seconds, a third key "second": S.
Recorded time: {"hour": 2, "minute": 12}
